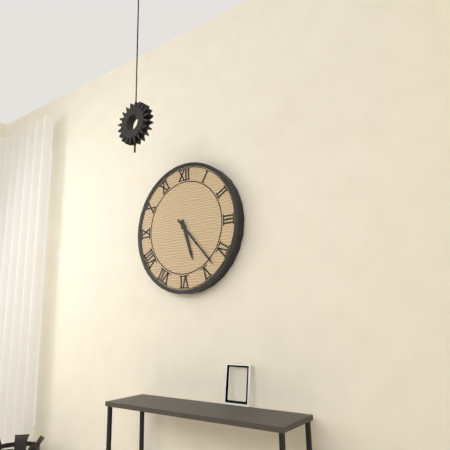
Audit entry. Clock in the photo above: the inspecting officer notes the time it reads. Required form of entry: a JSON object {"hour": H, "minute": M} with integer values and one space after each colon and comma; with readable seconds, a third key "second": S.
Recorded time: {"hour": 5, "minute": 23}
